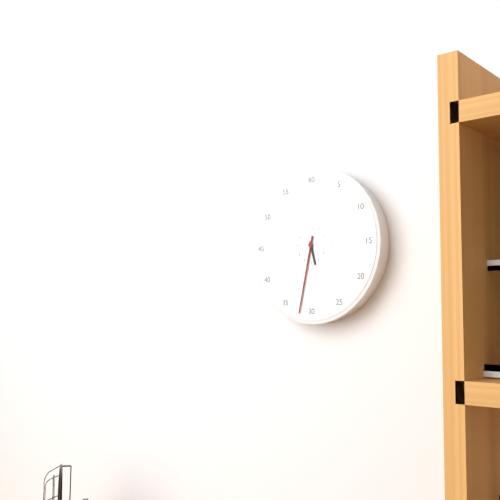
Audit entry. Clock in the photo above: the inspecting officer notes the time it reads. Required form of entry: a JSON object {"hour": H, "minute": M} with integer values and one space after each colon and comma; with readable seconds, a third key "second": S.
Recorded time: {"hour": 5, "minute": 32}
